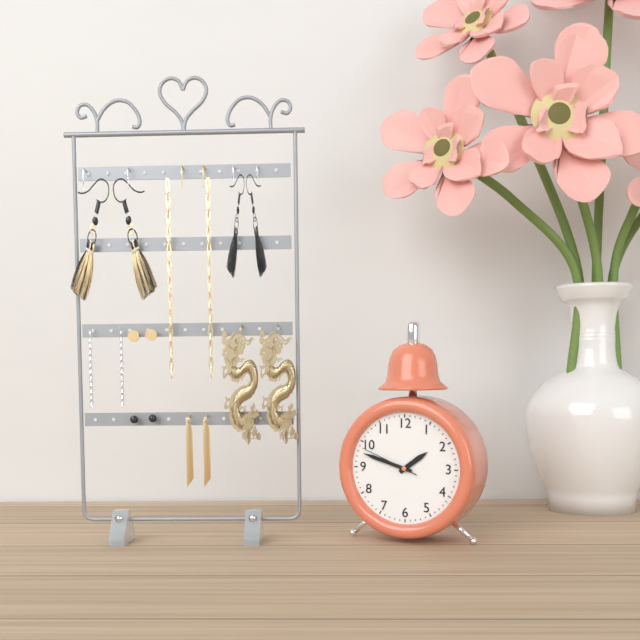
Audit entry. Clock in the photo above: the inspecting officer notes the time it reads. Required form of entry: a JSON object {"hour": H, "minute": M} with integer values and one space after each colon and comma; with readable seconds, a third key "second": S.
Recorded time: {"hour": 1, "minute": 48, "second": 49}
